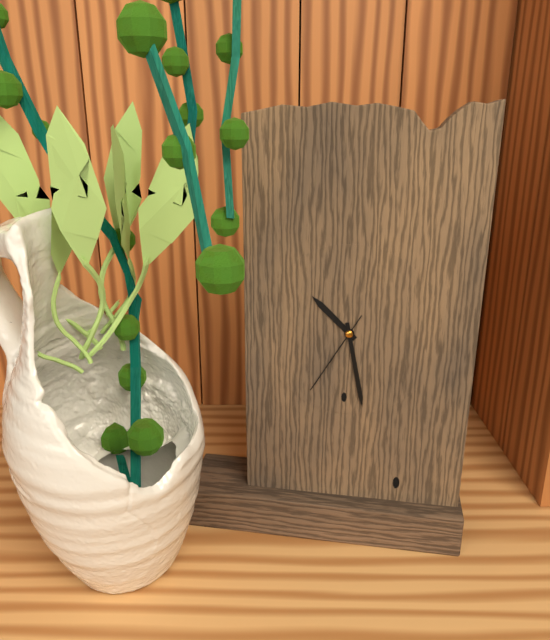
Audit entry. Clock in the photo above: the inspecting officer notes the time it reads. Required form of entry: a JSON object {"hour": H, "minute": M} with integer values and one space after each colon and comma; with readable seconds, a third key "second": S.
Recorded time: {"hour": 10, "minute": 28, "second": 35}
